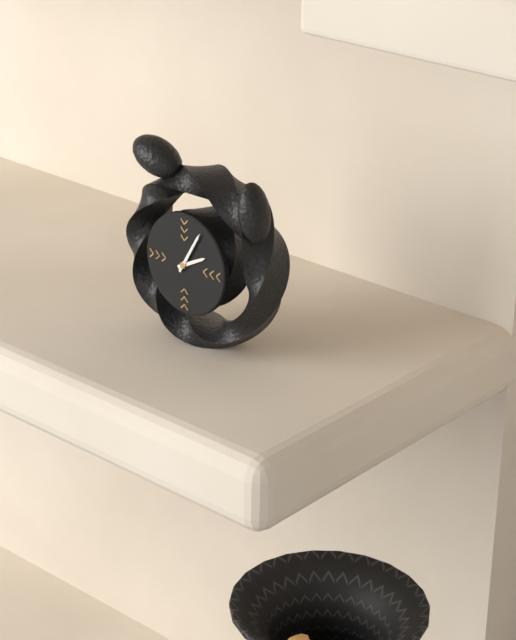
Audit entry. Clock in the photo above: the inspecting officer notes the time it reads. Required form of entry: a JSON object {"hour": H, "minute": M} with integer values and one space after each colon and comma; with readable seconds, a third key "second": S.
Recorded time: {"hour": 2, "minute": 5}
